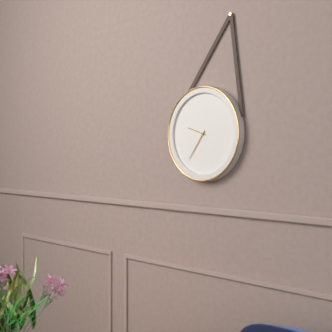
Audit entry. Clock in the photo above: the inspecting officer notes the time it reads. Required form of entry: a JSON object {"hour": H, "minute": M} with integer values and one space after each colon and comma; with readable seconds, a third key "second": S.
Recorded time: {"hour": 9, "minute": 36}
